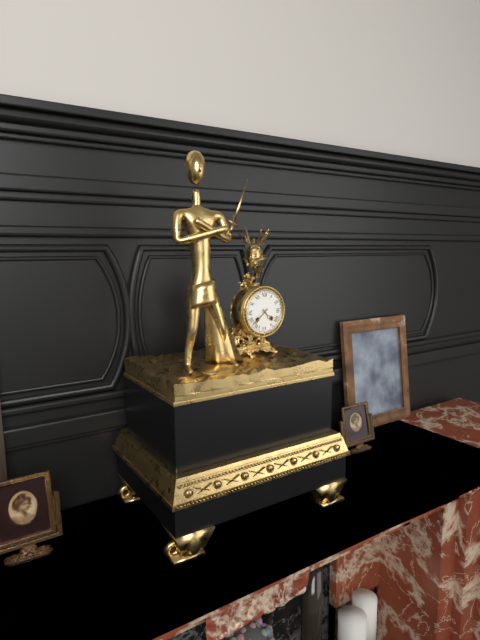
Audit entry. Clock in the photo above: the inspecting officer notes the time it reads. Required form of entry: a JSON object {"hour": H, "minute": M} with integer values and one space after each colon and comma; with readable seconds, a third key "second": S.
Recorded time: {"hour": 4, "minute": 38}
